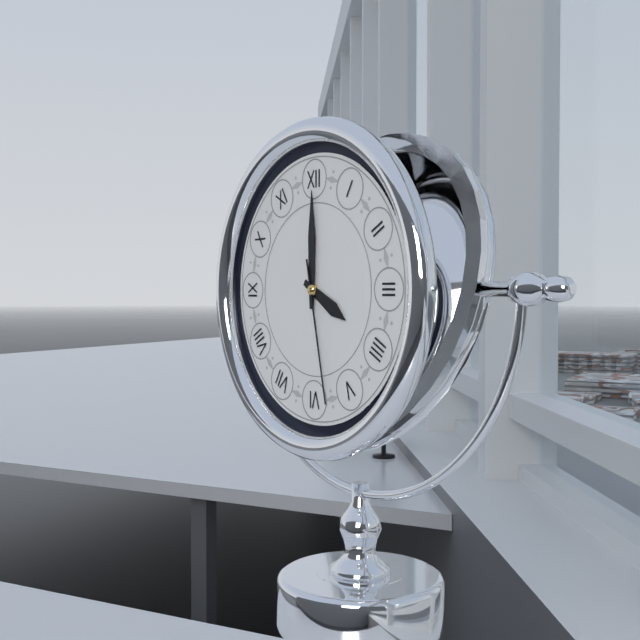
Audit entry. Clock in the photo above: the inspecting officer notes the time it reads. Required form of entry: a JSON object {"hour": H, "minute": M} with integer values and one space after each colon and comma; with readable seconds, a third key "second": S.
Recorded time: {"hour": 4, "minute": 0, "second": 28}
